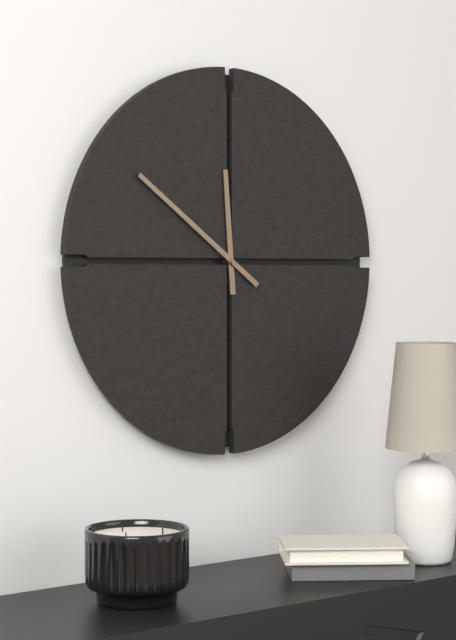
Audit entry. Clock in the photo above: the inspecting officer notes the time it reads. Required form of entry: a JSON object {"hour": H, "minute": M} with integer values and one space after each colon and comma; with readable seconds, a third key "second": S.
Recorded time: {"hour": 11, "minute": 51}
